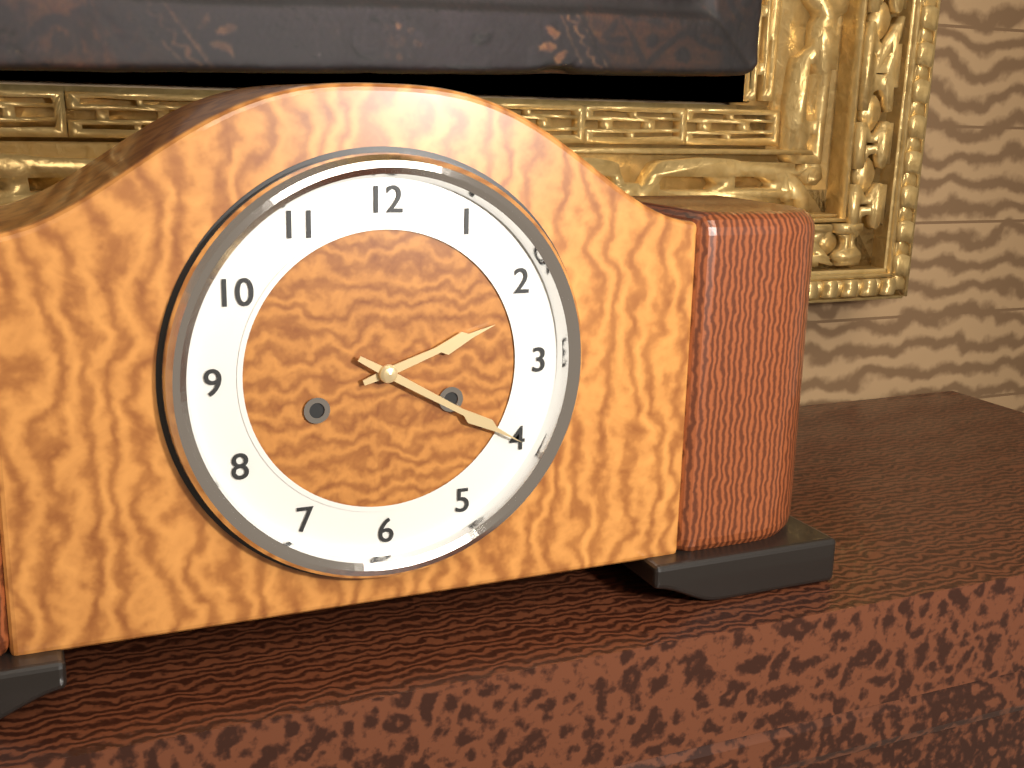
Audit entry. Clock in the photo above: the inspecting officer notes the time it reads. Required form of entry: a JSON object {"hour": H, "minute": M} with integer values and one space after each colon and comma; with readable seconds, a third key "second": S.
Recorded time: {"hour": 2, "minute": 20}
